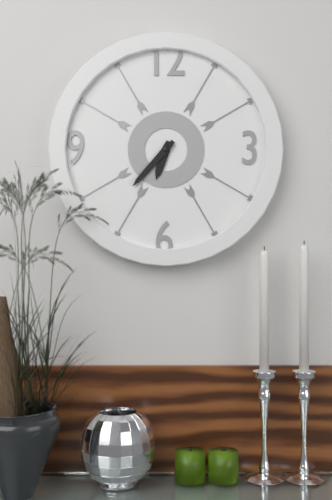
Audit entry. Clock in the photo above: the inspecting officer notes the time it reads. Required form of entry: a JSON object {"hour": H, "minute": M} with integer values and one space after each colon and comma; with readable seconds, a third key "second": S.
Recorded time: {"hour": 6, "minute": 37}
